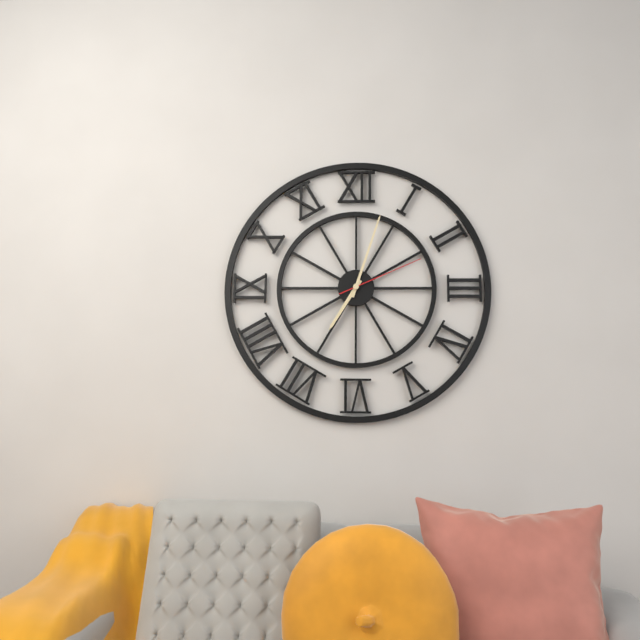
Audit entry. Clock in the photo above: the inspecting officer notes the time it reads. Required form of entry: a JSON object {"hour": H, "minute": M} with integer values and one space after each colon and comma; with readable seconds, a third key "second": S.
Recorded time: {"hour": 7, "minute": 3, "second": 11}
